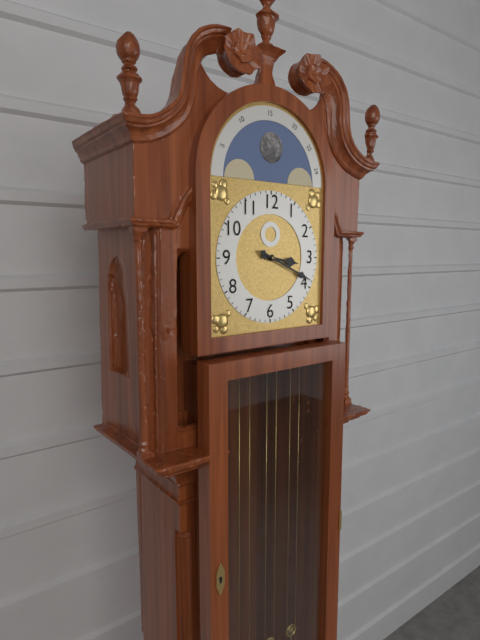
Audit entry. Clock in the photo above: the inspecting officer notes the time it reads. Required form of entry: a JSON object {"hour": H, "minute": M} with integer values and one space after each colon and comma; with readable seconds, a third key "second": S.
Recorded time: {"hour": 3, "minute": 19}
